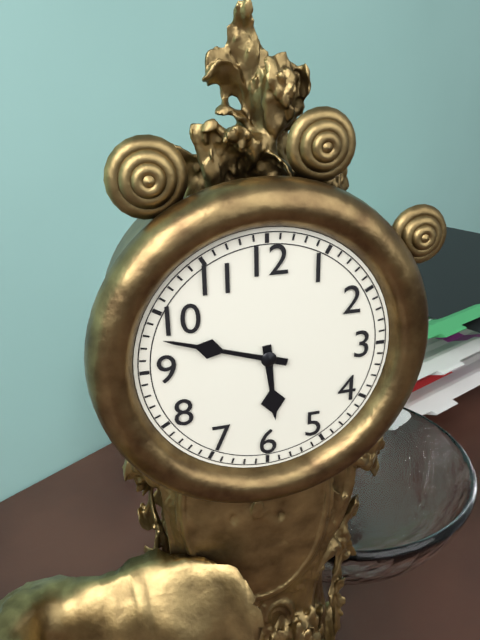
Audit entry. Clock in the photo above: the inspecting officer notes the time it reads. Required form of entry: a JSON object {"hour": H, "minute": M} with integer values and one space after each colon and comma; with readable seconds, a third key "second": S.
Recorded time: {"hour": 5, "minute": 48}
